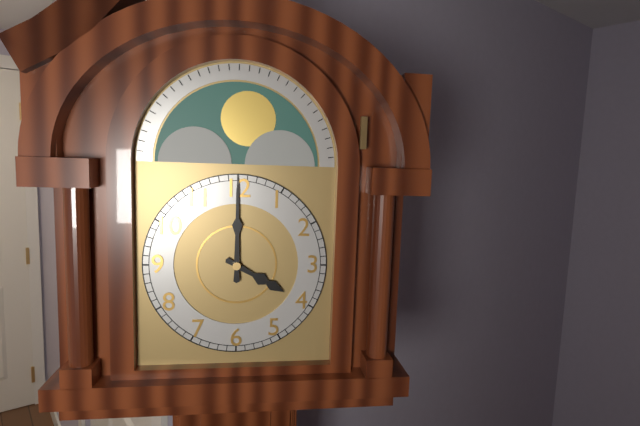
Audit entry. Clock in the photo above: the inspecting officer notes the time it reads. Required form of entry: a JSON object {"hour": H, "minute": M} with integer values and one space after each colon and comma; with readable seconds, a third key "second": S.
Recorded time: {"hour": 4, "minute": 0}
